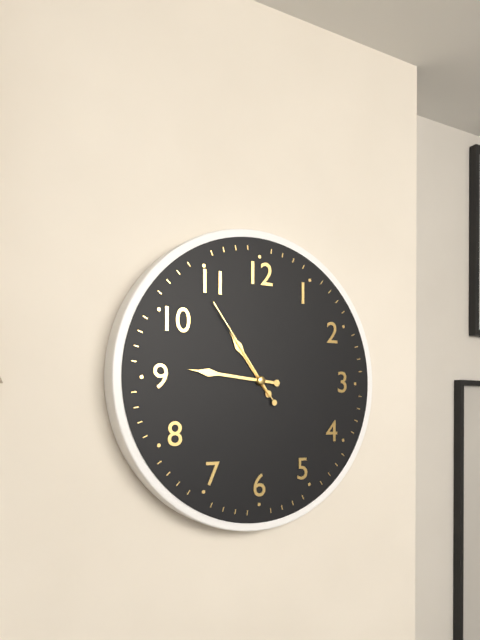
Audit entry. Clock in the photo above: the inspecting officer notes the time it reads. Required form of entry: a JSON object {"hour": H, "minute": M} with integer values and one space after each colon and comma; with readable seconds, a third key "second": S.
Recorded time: {"hour": 10, "minute": 46, "second": 54}
